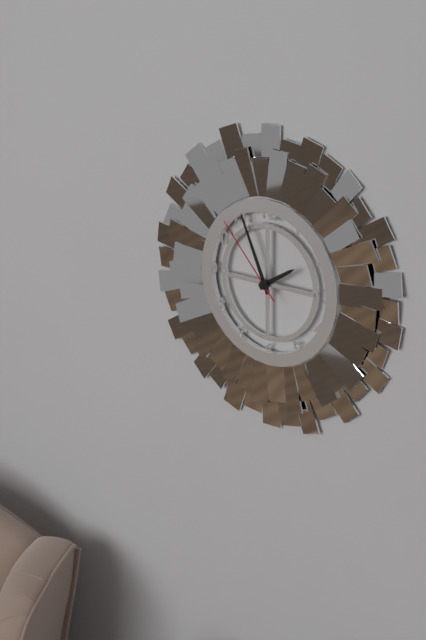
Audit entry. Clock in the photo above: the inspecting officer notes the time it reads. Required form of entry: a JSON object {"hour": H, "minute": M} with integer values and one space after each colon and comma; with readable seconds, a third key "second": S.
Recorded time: {"hour": 1, "minute": 56, "second": 53}
